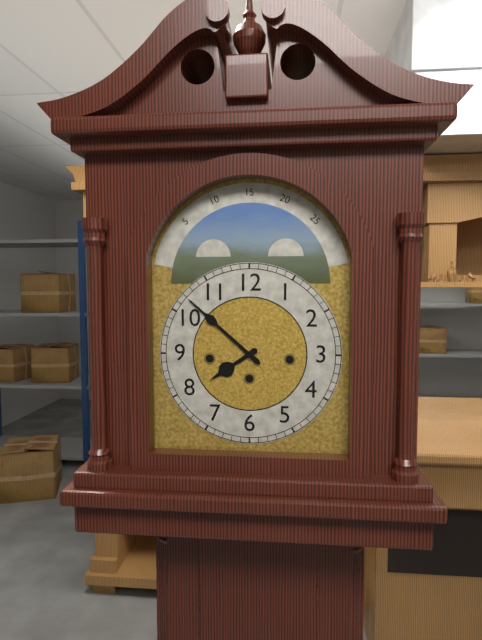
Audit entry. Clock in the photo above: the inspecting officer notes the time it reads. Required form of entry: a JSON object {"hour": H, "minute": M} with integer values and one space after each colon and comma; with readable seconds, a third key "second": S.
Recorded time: {"hour": 7, "minute": 52}
